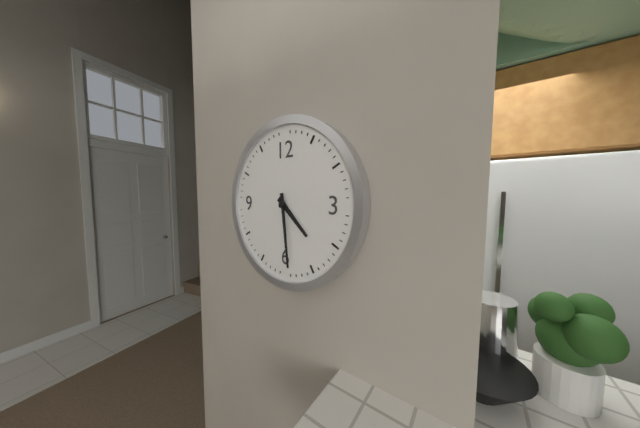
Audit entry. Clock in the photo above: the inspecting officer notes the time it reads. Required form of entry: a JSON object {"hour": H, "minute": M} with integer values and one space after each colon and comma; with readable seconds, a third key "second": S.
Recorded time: {"hour": 4, "minute": 29}
